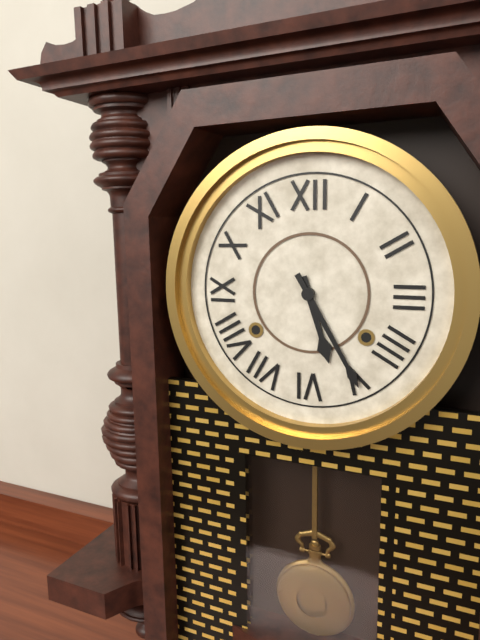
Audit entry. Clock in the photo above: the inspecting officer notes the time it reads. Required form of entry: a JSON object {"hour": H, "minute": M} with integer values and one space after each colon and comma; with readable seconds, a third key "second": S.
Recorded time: {"hour": 5, "minute": 25}
